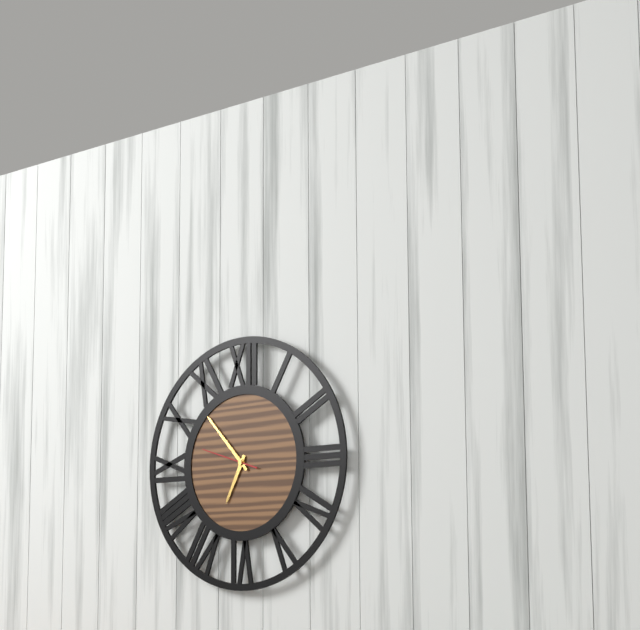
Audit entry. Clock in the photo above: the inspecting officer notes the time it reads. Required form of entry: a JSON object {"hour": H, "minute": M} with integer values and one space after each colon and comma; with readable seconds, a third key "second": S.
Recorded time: {"hour": 6, "minute": 53, "second": 48}
